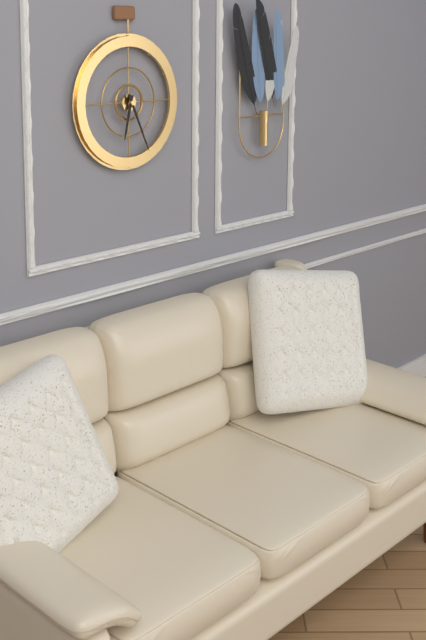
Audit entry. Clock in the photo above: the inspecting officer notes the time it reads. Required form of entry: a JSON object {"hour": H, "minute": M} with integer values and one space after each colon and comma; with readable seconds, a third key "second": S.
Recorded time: {"hour": 6, "minute": 26}
